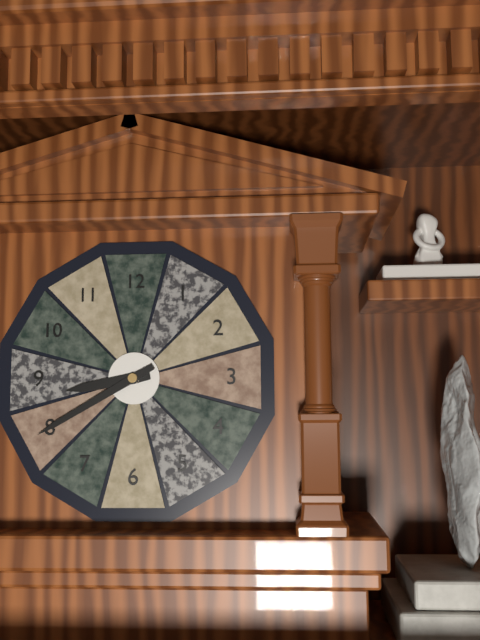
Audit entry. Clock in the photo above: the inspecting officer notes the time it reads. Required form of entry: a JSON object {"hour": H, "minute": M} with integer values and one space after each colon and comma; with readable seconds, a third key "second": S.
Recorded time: {"hour": 8, "minute": 40}
